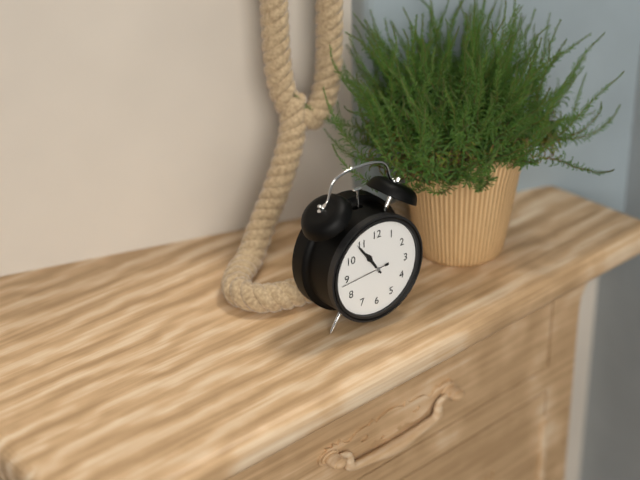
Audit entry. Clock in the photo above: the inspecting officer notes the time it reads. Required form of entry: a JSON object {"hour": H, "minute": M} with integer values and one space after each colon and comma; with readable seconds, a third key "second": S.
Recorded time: {"hour": 10, "minute": 54, "second": 44}
